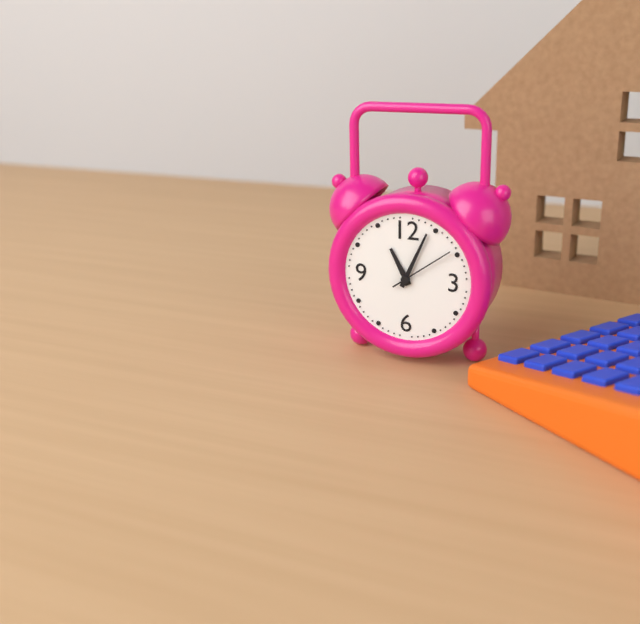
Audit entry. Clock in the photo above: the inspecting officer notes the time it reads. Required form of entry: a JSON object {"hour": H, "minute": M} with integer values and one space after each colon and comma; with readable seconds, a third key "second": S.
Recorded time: {"hour": 11, "minute": 4, "second": 9}
